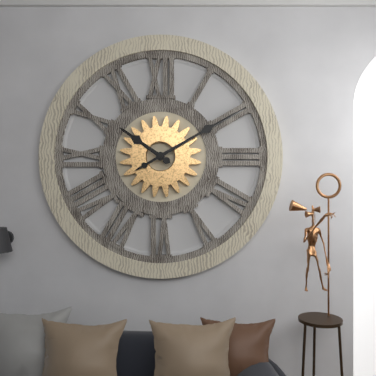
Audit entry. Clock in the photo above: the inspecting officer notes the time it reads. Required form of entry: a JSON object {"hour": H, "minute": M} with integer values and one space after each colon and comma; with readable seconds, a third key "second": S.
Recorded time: {"hour": 10, "minute": 10}
